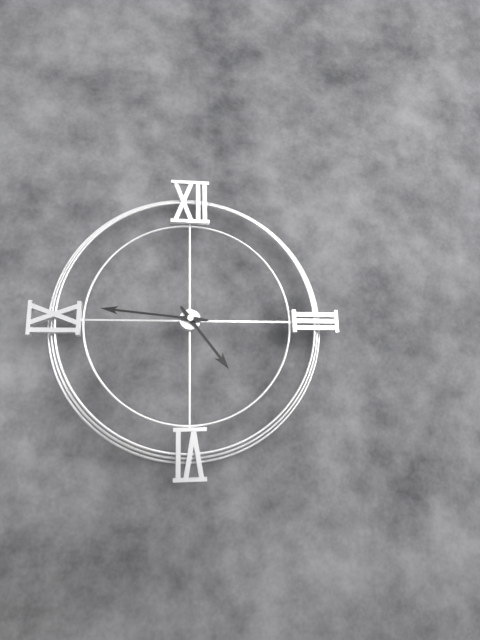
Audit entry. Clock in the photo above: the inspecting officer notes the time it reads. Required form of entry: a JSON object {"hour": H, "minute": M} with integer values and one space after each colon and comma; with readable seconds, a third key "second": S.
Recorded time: {"hour": 4, "minute": 46}
